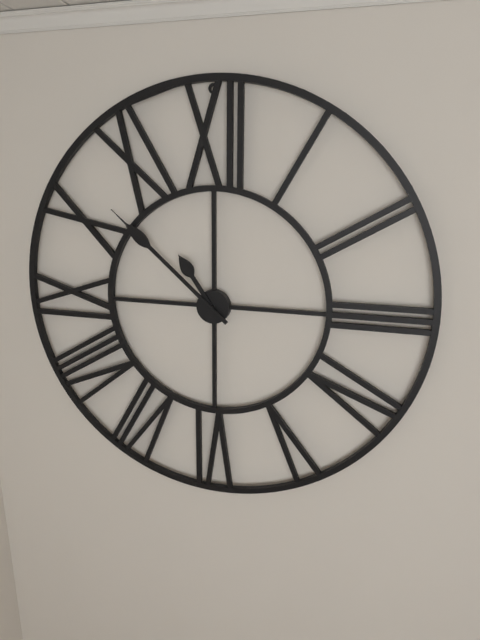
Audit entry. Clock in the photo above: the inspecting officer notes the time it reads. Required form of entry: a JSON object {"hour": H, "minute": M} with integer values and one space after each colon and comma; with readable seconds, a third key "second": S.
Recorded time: {"hour": 10, "minute": 52}
